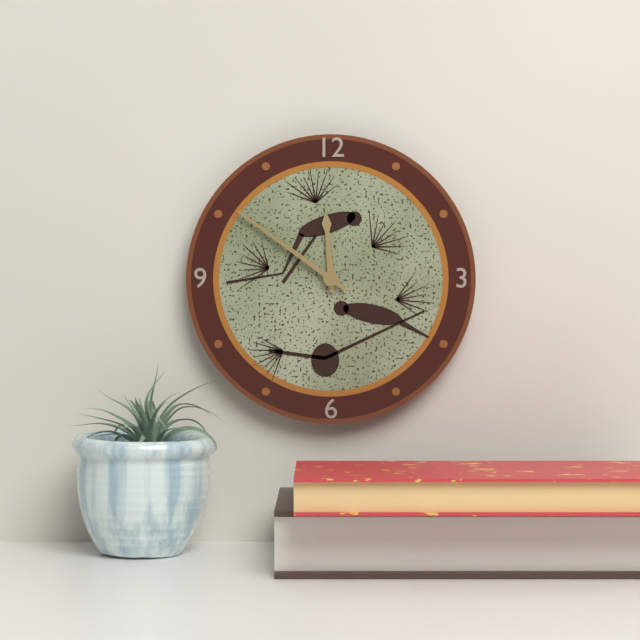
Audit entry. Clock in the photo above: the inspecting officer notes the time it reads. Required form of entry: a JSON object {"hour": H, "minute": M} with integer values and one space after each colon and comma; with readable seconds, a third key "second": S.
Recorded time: {"hour": 11, "minute": 51}
